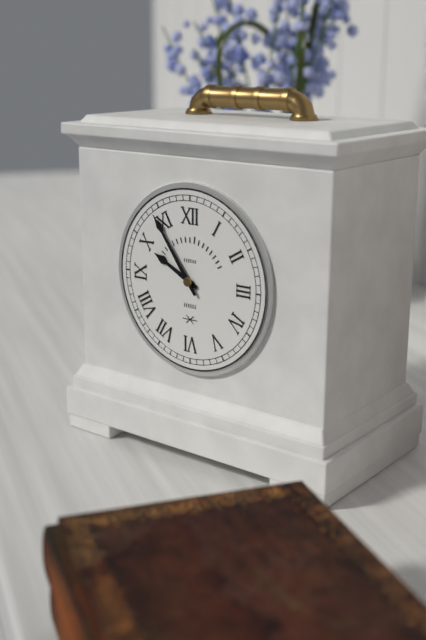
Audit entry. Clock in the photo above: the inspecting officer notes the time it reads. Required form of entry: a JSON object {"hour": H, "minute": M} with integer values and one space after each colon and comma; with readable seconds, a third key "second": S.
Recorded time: {"hour": 9, "minute": 54}
